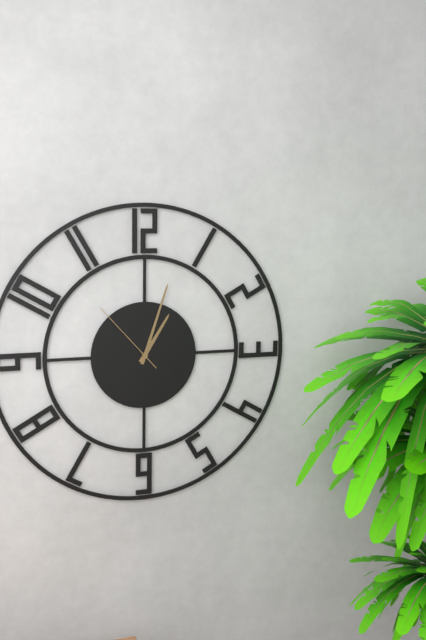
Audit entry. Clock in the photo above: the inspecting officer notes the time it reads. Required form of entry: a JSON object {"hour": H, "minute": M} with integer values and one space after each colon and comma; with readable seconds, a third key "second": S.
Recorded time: {"hour": 1, "minute": 3, "second": 53}
